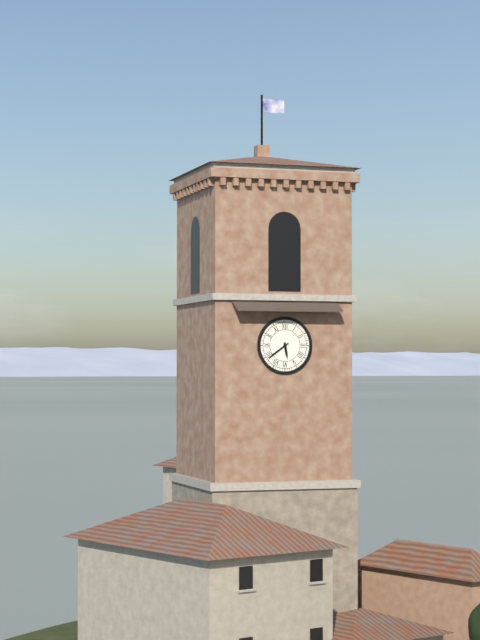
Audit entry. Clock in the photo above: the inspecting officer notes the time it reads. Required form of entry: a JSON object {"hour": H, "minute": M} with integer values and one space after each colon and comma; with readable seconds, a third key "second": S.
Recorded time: {"hour": 5, "minute": 39}
